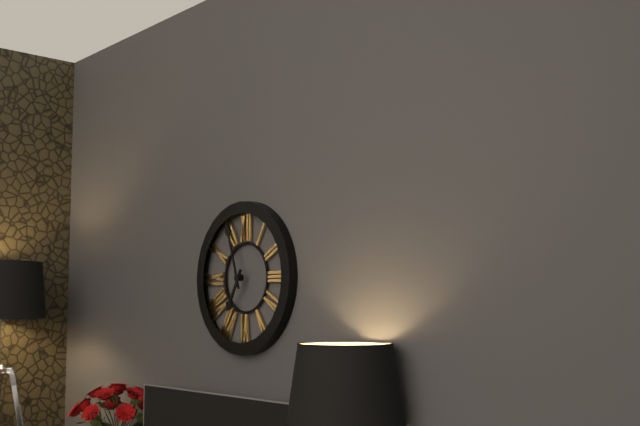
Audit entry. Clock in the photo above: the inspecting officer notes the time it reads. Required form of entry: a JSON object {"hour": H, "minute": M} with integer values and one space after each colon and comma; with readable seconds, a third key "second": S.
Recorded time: {"hour": 6, "minute": 57}
